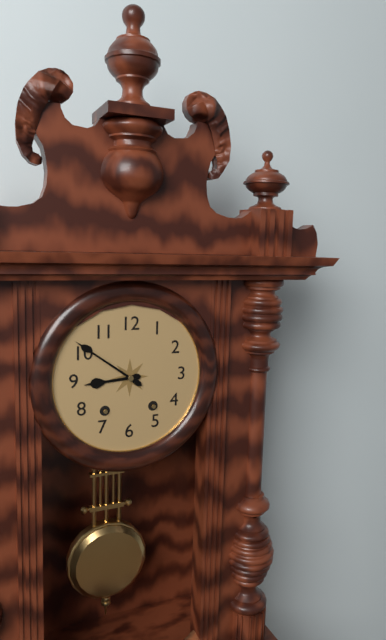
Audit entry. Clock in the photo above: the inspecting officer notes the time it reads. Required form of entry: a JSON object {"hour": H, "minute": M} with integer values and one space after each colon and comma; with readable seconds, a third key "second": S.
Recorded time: {"hour": 8, "minute": 51}
